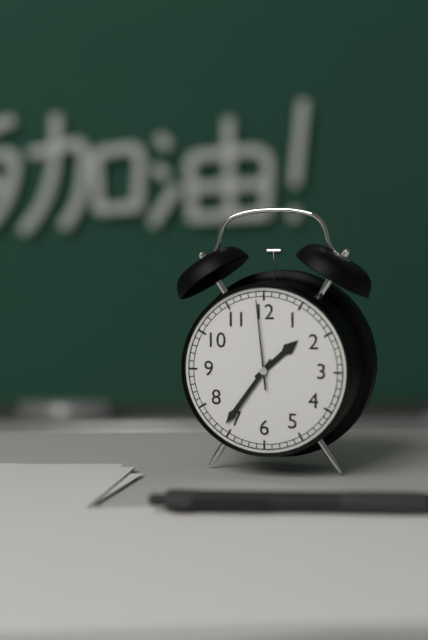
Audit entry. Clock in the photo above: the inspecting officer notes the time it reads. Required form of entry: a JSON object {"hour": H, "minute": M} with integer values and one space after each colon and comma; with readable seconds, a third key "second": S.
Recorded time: {"hour": 1, "minute": 36, "second": 59}
